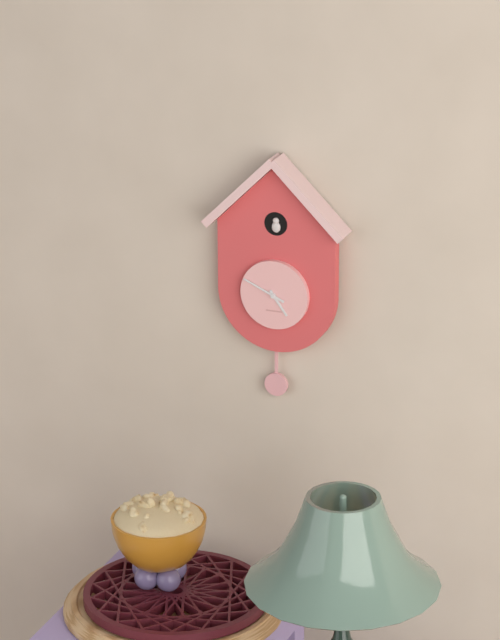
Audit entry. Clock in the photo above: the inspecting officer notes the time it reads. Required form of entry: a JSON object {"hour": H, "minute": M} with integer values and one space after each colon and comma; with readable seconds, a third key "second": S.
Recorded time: {"hour": 4, "minute": 49}
